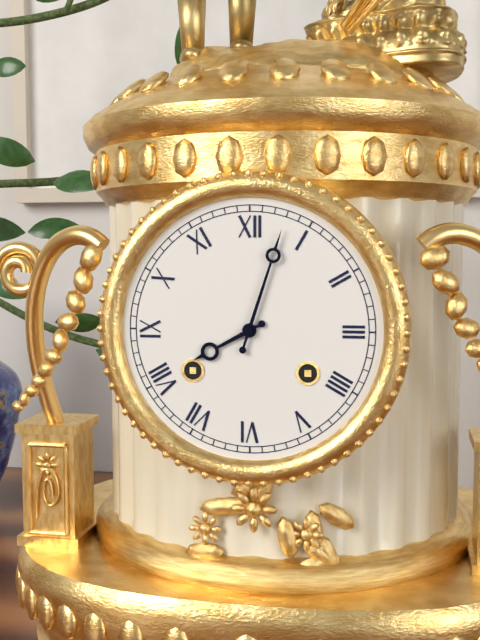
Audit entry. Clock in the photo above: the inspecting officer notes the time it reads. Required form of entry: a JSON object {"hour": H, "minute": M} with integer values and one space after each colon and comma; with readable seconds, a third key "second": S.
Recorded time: {"hour": 8, "minute": 3}
